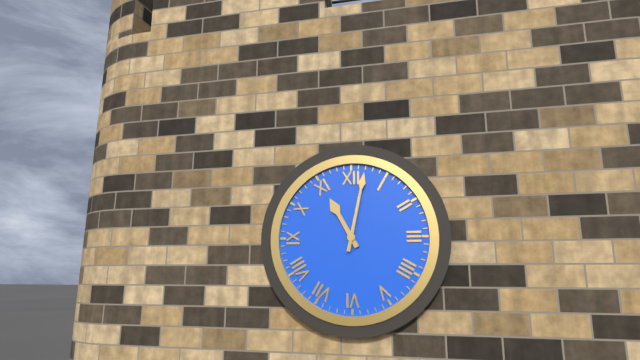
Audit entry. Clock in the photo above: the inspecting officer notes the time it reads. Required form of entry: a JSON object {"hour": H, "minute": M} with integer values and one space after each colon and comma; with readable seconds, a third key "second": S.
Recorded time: {"hour": 11, "minute": 2}
